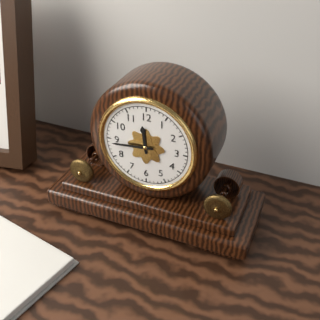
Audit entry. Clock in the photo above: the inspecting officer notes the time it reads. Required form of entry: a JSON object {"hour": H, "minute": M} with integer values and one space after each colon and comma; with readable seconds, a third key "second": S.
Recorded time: {"hour": 11, "minute": 44}
